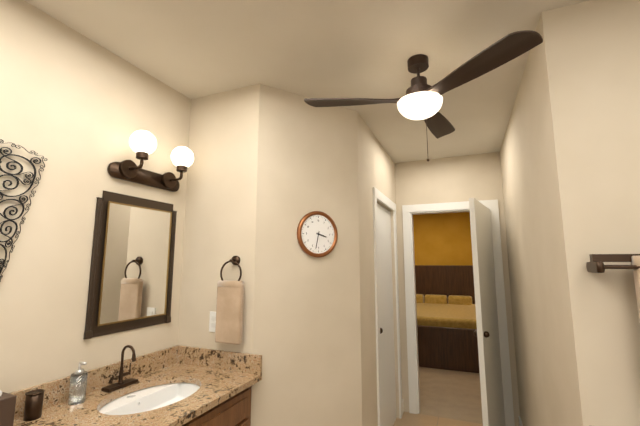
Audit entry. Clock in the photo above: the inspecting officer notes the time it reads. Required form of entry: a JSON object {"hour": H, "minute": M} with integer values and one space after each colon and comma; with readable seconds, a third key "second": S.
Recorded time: {"hour": 3, "minute": 32}
